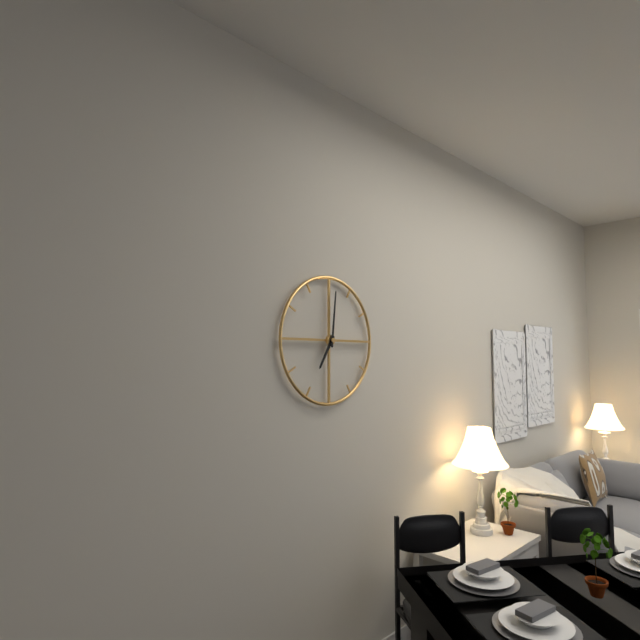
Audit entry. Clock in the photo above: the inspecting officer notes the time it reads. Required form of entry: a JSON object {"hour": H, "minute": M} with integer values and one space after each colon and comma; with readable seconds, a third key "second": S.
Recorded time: {"hour": 7, "minute": 1}
